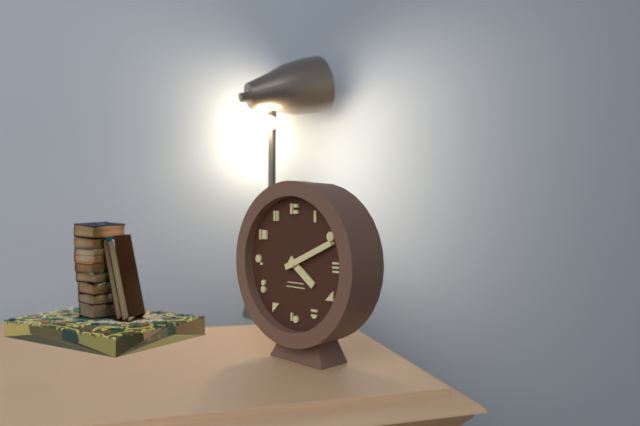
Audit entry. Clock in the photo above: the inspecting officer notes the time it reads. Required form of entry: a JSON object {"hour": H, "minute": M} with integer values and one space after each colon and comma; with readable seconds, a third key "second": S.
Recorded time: {"hour": 4, "minute": 11}
